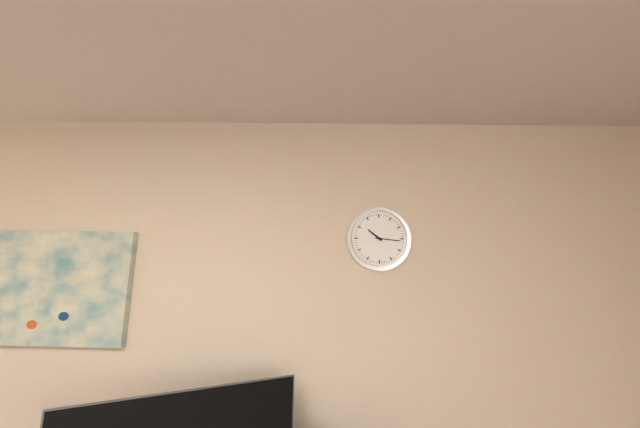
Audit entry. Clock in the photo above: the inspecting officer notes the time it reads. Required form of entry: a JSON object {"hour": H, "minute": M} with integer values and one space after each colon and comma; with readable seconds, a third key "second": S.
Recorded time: {"hour": 10, "minute": 16}
